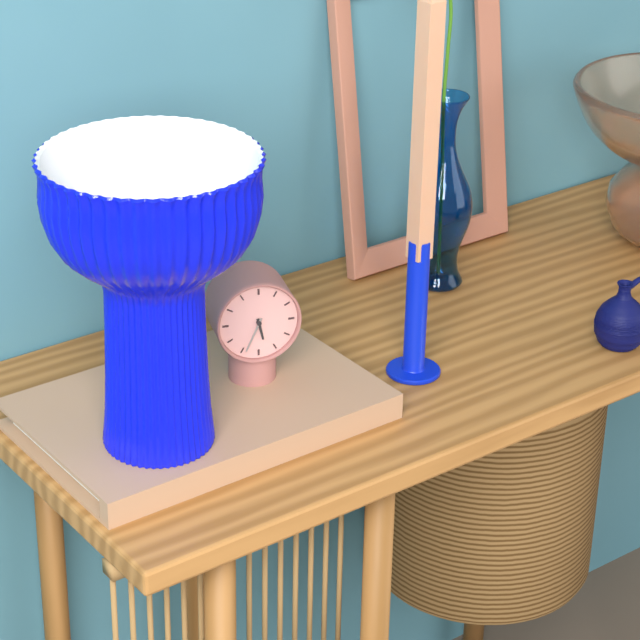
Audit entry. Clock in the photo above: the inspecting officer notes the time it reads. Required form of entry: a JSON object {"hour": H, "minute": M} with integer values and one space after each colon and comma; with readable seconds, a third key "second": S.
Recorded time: {"hour": 5, "minute": 34}
